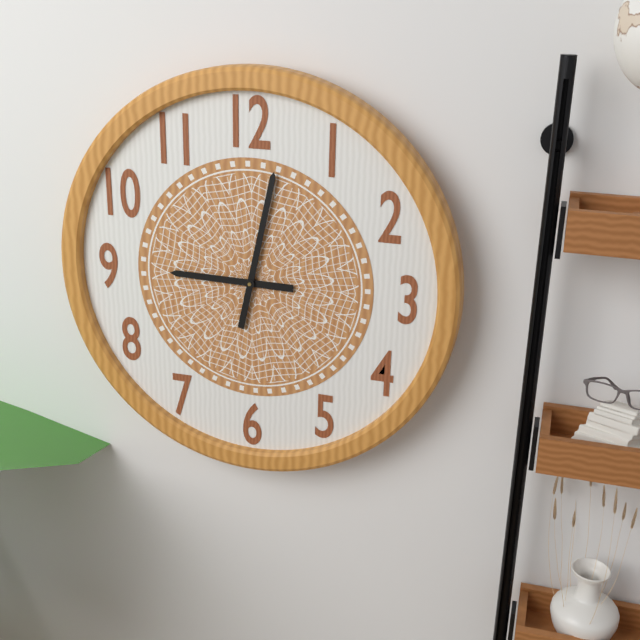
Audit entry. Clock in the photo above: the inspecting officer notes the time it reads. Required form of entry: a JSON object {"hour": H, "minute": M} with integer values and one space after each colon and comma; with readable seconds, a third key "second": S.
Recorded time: {"hour": 9, "minute": 2}
